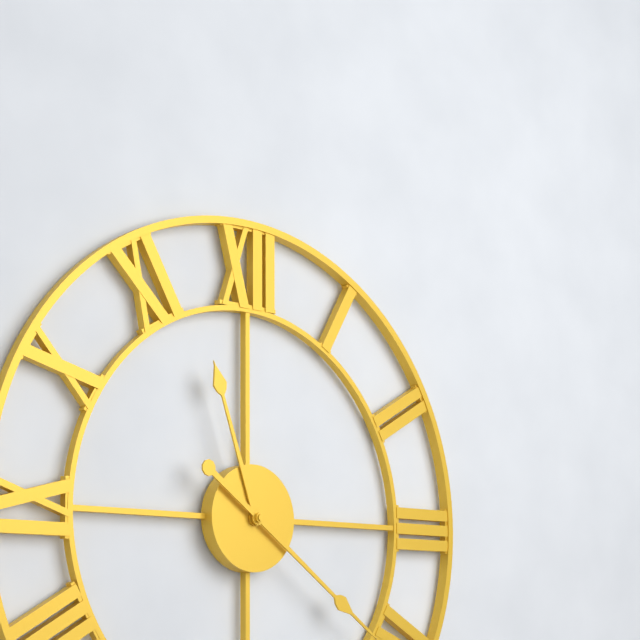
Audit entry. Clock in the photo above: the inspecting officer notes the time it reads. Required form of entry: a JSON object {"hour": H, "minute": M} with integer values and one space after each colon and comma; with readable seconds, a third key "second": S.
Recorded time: {"hour": 11, "minute": 21}
